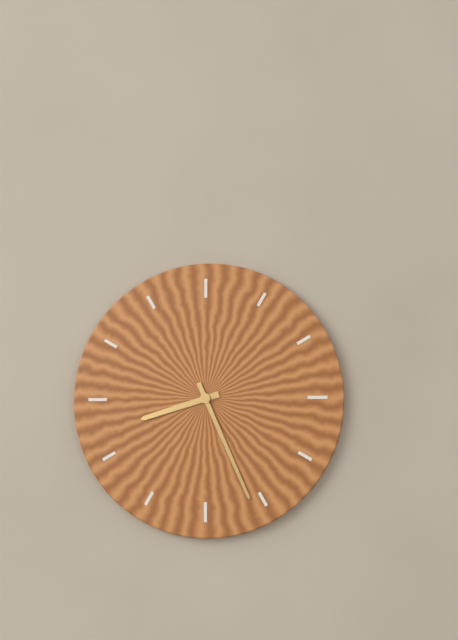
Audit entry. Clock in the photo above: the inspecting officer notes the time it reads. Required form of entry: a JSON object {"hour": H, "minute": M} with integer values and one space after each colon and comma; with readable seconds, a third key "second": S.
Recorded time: {"hour": 8, "minute": 26}
